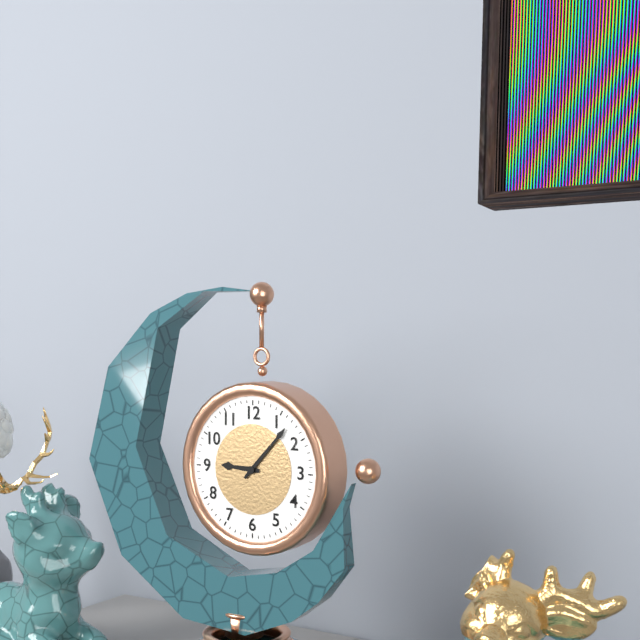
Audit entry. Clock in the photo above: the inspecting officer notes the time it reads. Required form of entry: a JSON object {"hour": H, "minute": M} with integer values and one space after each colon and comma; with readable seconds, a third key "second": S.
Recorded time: {"hour": 9, "minute": 7}
